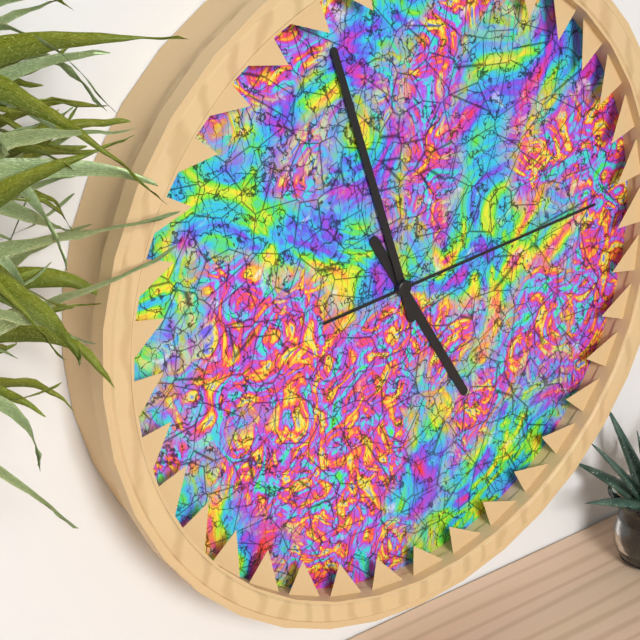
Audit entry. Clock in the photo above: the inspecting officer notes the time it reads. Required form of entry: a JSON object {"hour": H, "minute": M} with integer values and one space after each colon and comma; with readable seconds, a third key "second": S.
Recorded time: {"hour": 4, "minute": 57, "second": 14}
